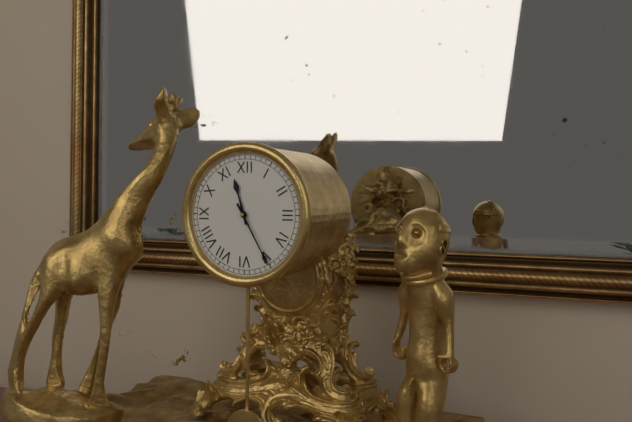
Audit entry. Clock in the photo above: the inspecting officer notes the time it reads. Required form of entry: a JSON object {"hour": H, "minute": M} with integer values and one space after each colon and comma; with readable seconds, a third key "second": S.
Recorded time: {"hour": 11, "minute": 25}
